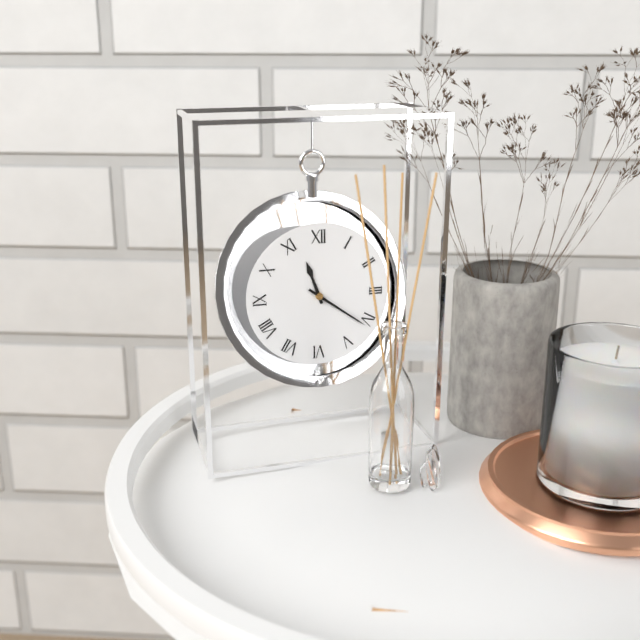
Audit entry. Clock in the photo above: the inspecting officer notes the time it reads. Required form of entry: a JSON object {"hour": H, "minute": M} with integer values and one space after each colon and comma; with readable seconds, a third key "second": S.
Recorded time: {"hour": 11, "minute": 21}
